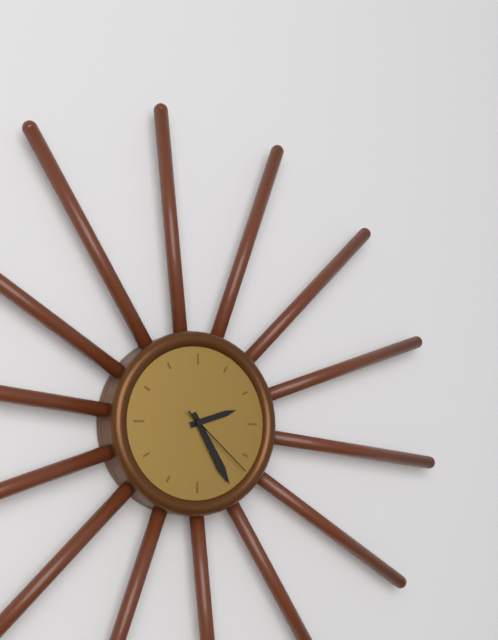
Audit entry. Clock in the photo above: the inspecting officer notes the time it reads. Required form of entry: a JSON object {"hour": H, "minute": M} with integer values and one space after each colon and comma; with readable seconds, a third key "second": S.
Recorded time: {"hour": 2, "minute": 25, "second": 22}
